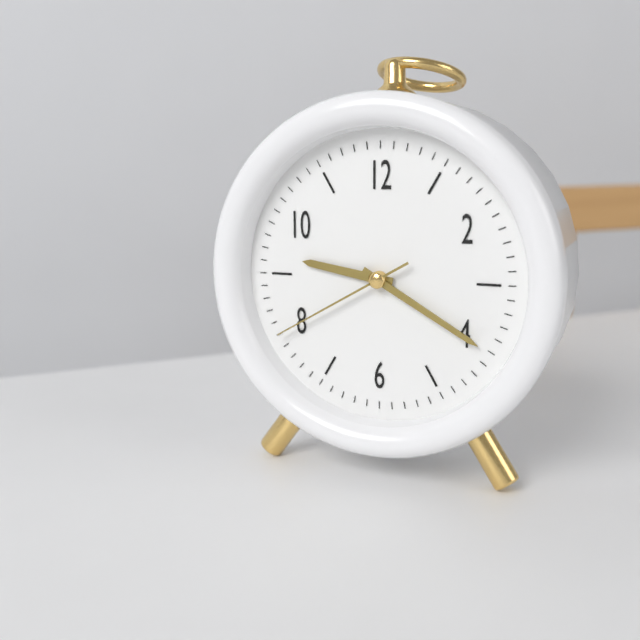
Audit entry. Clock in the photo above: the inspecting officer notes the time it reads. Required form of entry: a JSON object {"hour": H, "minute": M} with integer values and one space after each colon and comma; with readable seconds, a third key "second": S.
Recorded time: {"hour": 9, "minute": 20, "second": 40}
